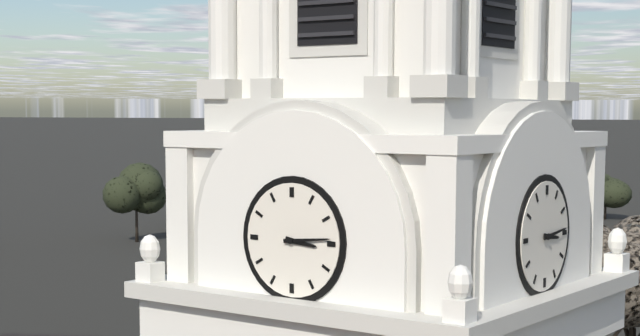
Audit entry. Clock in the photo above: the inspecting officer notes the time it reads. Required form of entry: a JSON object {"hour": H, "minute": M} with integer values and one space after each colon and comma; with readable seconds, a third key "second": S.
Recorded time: {"hour": 3, "minute": 14}
